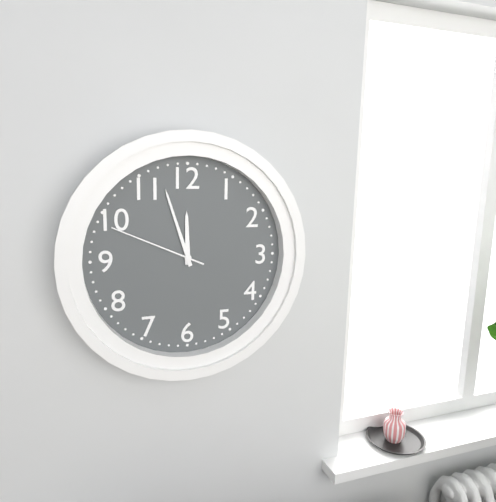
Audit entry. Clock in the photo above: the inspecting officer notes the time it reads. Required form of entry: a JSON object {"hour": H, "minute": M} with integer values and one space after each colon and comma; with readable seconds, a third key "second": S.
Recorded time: {"hour": 11, "minute": 57, "second": 49}
